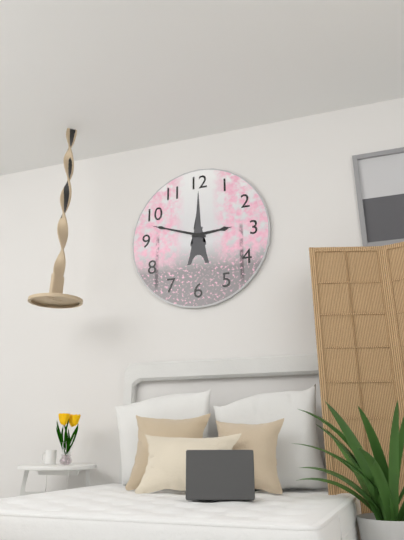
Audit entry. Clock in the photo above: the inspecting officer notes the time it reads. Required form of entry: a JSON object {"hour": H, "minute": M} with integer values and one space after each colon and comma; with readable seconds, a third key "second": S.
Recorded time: {"hour": 2, "minute": 48}
